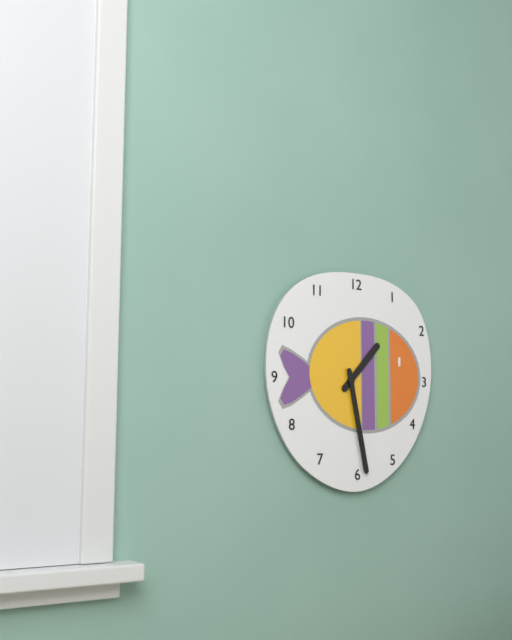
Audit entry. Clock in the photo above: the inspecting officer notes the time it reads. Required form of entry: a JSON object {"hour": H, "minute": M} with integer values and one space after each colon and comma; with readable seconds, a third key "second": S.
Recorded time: {"hour": 1, "minute": 28}
